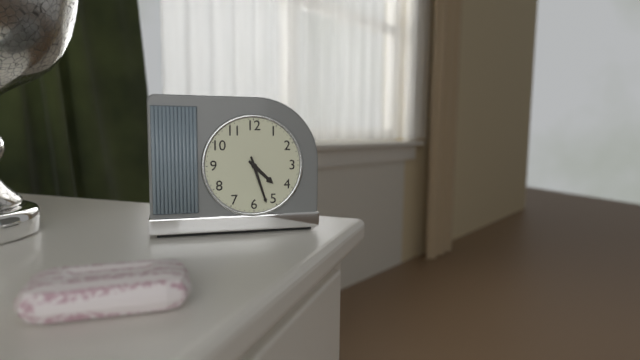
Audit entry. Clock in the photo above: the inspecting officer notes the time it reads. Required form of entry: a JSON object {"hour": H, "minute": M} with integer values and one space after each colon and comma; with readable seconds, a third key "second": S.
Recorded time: {"hour": 4, "minute": 27}
